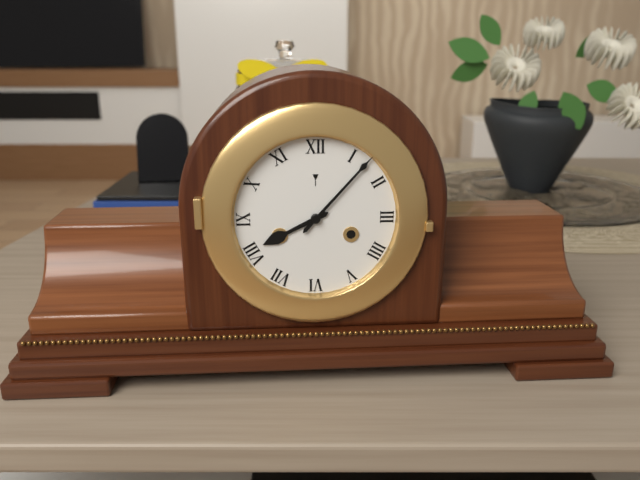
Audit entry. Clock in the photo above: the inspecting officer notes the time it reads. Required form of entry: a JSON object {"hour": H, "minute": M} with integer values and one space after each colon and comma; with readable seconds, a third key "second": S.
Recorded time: {"hour": 8, "minute": 7}
